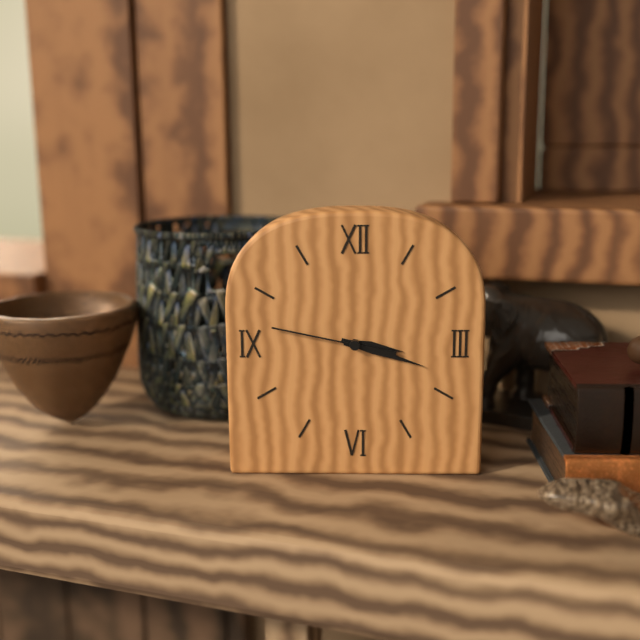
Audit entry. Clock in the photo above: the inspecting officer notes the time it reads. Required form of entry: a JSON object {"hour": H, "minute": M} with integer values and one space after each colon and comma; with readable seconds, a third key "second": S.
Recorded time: {"hour": 3, "minute": 18, "second": 47}
